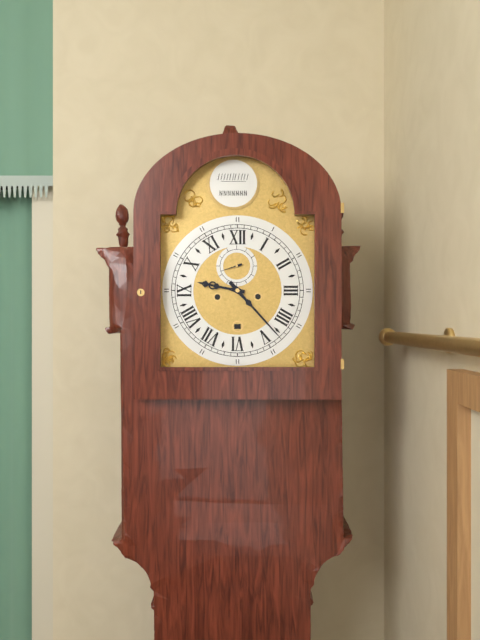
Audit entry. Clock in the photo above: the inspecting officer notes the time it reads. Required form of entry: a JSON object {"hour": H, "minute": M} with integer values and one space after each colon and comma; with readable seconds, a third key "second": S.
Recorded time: {"hour": 9, "minute": 23}
